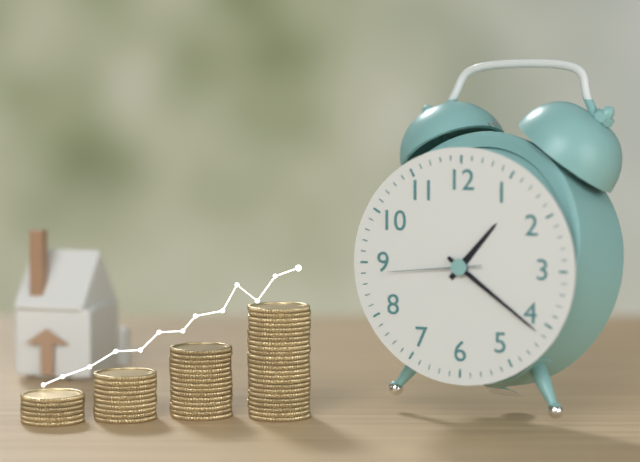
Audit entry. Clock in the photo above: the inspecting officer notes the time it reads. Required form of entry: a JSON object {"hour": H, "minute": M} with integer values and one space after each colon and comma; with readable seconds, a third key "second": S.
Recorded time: {"hour": 1, "minute": 21, "second": 44}
